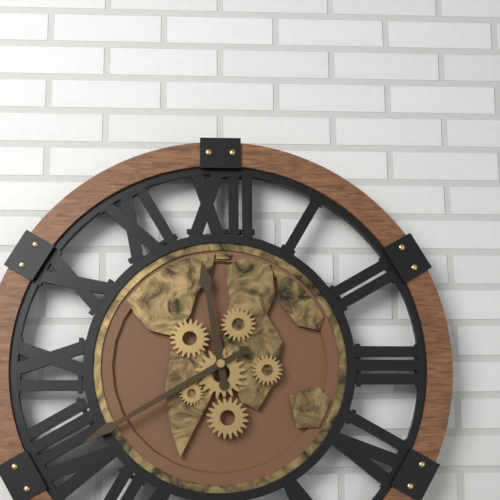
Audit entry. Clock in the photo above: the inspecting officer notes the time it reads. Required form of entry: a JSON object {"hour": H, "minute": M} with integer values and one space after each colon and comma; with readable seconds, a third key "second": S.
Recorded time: {"hour": 11, "minute": 40}
